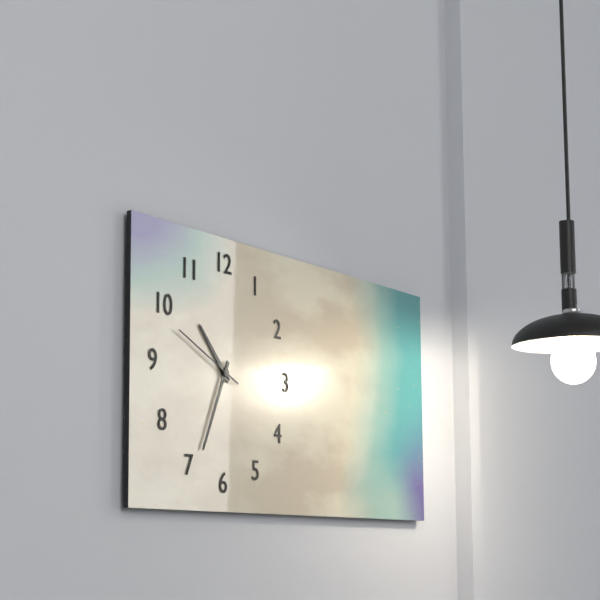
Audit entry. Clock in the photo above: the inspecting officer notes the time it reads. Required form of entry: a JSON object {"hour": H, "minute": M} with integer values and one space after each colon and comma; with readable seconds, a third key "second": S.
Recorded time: {"hour": 10, "minute": 34, "second": 49}
